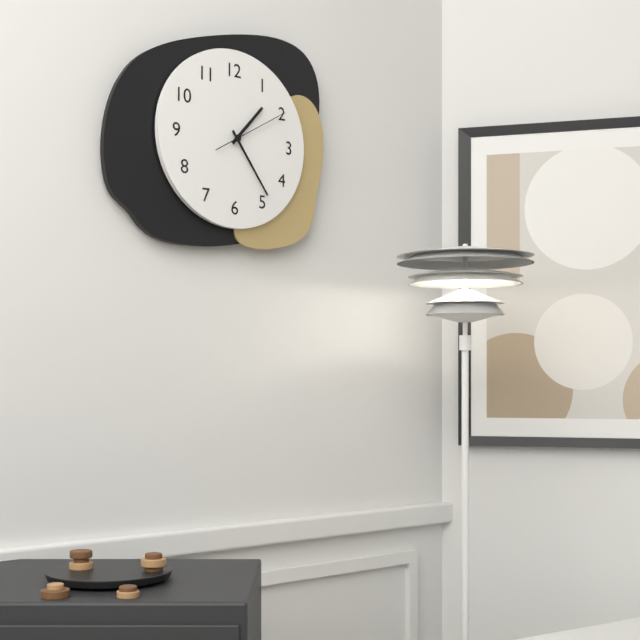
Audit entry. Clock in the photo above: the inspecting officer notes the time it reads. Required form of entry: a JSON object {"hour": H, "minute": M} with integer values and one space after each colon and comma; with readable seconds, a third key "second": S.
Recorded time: {"hour": 1, "minute": 24, "second": 10}
